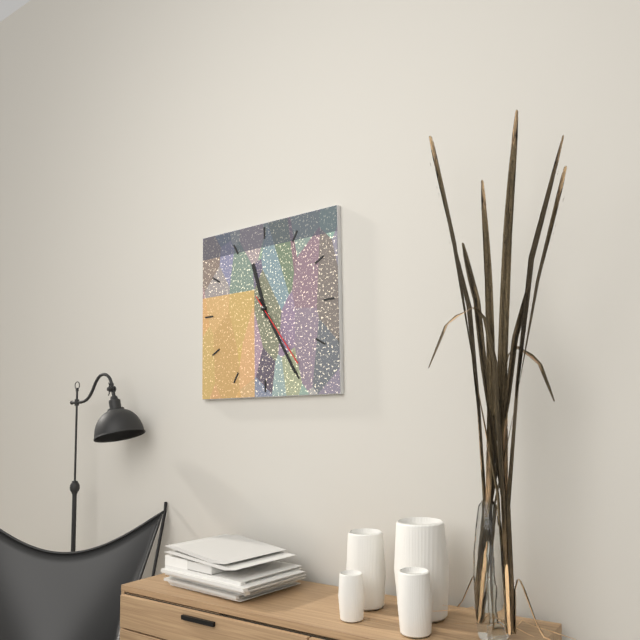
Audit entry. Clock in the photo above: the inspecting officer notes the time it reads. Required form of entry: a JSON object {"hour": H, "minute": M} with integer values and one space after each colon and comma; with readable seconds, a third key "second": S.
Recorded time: {"hour": 11, "minute": 25, "second": 24}
